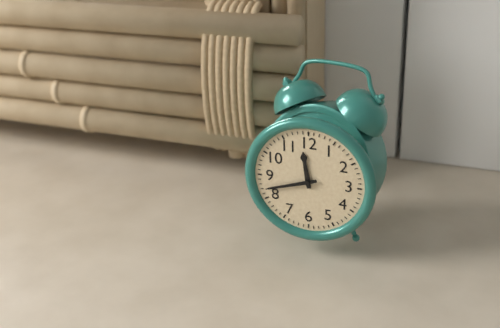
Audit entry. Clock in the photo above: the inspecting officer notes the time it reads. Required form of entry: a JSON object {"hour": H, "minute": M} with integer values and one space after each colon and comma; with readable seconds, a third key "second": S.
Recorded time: {"hour": 11, "minute": 42}
